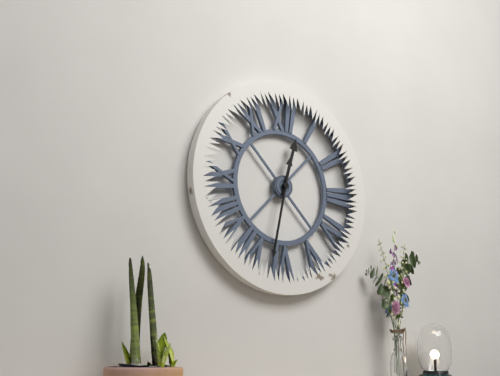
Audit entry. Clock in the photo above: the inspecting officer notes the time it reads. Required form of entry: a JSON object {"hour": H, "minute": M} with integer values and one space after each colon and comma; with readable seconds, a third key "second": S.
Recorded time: {"hour": 12, "minute": 32}
